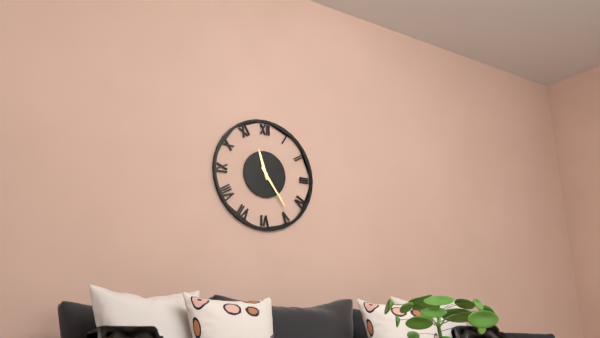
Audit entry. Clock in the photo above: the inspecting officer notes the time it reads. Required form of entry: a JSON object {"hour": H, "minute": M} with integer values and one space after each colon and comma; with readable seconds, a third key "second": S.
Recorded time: {"hour": 11, "minute": 24}
